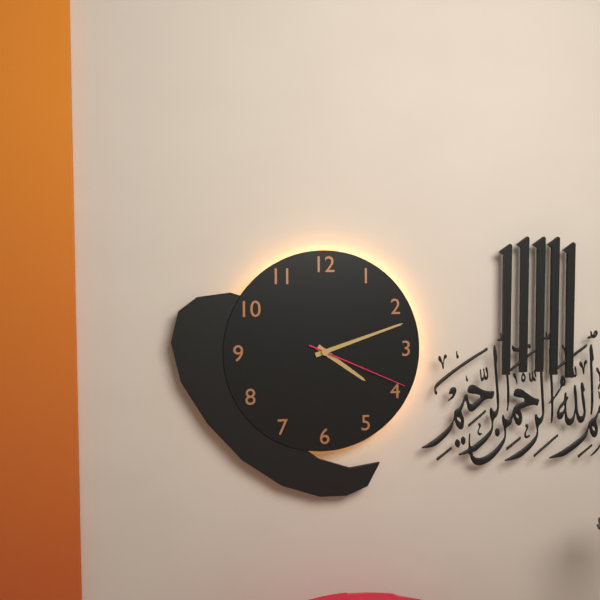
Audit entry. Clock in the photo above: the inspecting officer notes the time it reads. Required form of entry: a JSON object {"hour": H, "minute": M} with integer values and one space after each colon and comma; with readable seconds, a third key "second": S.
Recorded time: {"hour": 4, "minute": 12, "second": 19}
